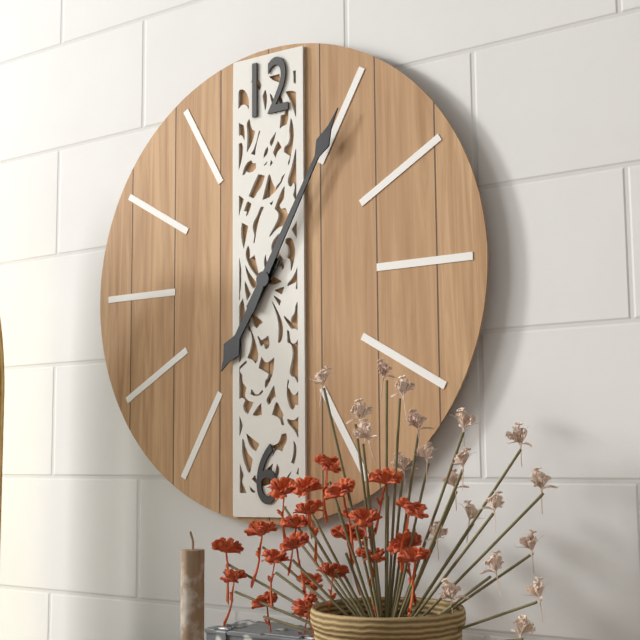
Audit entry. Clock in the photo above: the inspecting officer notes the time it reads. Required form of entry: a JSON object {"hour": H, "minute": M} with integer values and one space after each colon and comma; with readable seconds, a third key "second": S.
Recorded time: {"hour": 7, "minute": 5}
